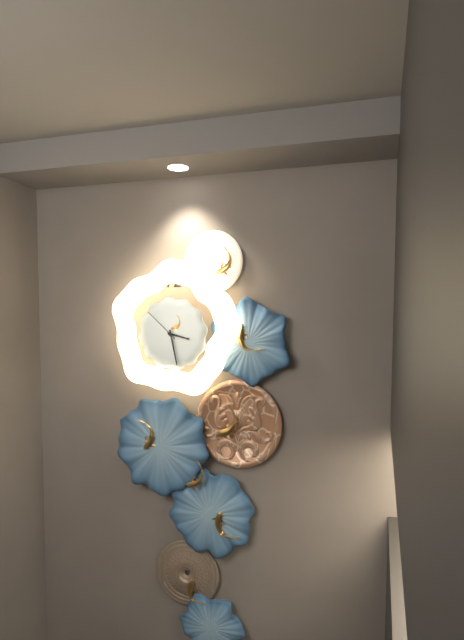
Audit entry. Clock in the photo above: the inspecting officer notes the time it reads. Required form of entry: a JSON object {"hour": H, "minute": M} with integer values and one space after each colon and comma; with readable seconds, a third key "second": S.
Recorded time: {"hour": 3, "minute": 28}
